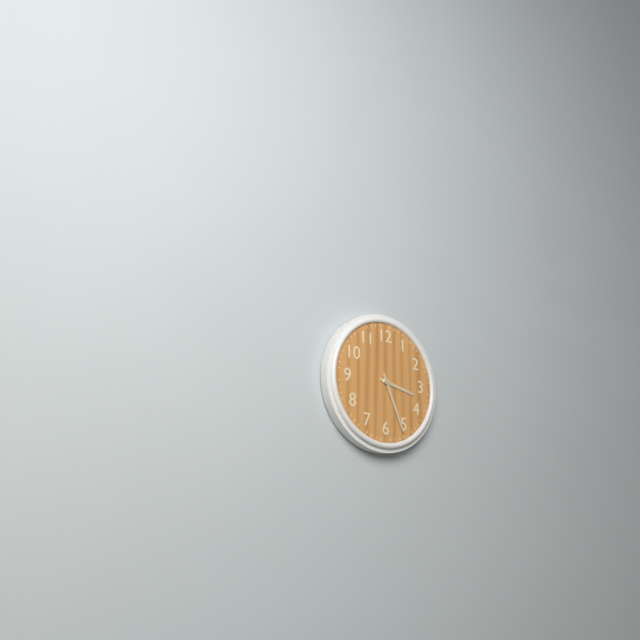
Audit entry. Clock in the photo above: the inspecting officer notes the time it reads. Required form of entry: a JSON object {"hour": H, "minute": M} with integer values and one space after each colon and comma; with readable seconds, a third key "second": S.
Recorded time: {"hour": 3, "minute": 26}
